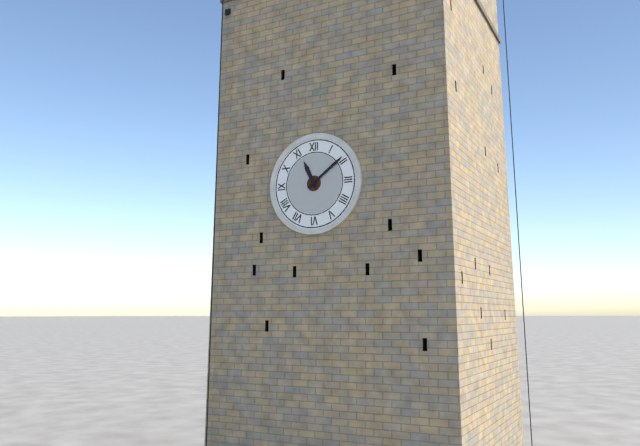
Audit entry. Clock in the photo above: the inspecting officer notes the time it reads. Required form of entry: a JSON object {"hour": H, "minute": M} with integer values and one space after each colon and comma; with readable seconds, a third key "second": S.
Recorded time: {"hour": 11, "minute": 9}
